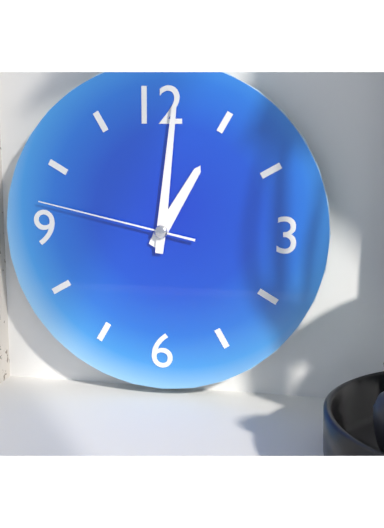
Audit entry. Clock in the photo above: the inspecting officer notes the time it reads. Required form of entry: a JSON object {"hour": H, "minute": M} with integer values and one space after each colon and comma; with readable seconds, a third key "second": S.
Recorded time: {"hour": 1, "minute": 1, "second": 47}
